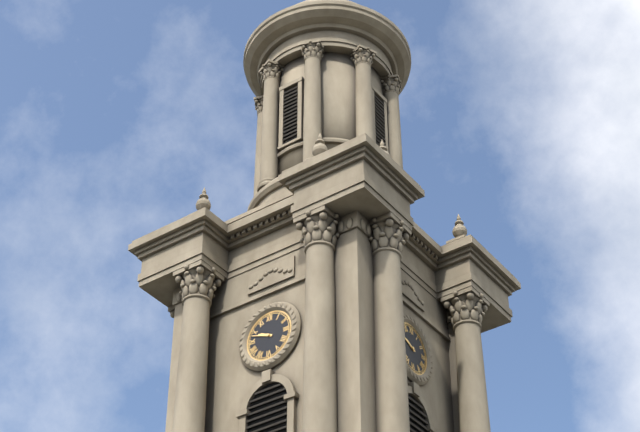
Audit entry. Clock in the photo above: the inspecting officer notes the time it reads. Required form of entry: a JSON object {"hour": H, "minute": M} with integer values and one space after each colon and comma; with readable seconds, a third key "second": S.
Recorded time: {"hour": 9, "minute": 48}
